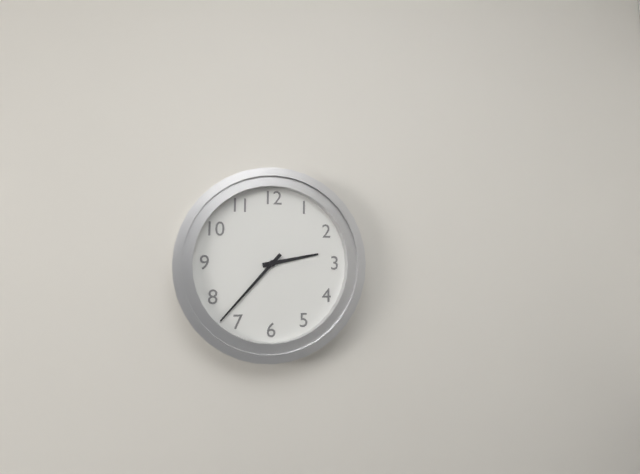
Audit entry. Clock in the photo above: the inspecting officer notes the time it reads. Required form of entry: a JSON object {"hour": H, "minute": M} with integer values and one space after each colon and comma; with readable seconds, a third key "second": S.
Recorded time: {"hour": 2, "minute": 37}
